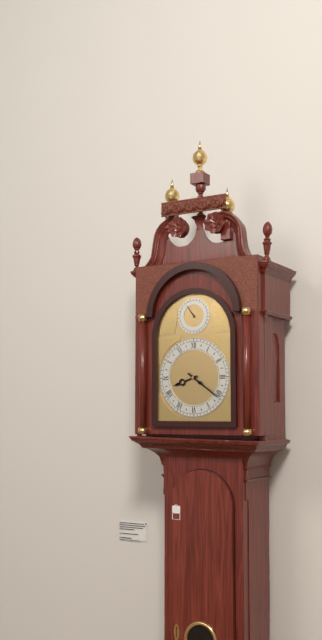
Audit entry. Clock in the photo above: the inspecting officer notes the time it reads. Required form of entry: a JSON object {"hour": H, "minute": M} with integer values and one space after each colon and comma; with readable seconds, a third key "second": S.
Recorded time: {"hour": 8, "minute": 21}
